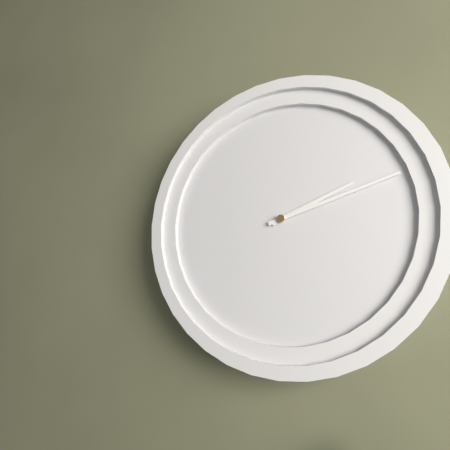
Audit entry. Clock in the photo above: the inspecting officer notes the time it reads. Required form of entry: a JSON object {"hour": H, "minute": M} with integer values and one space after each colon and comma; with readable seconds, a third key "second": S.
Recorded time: {"hour": 2, "minute": 12}
